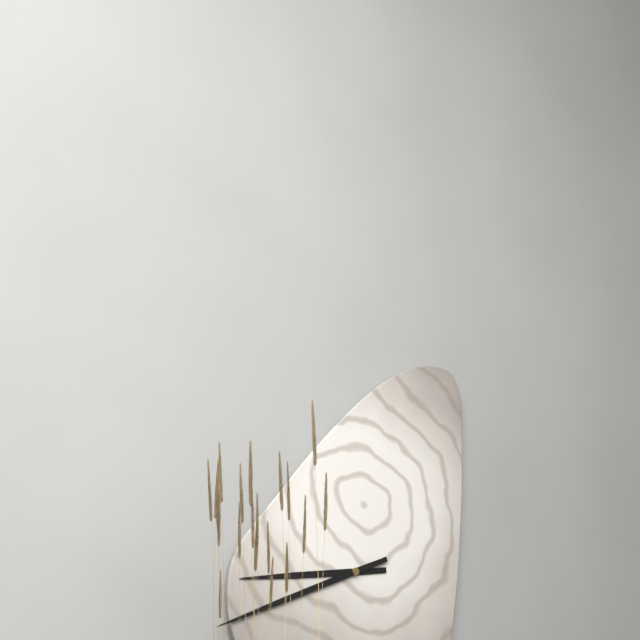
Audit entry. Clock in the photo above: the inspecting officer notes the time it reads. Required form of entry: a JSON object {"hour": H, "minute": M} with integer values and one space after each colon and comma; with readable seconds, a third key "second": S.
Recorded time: {"hour": 8, "minute": 41}
